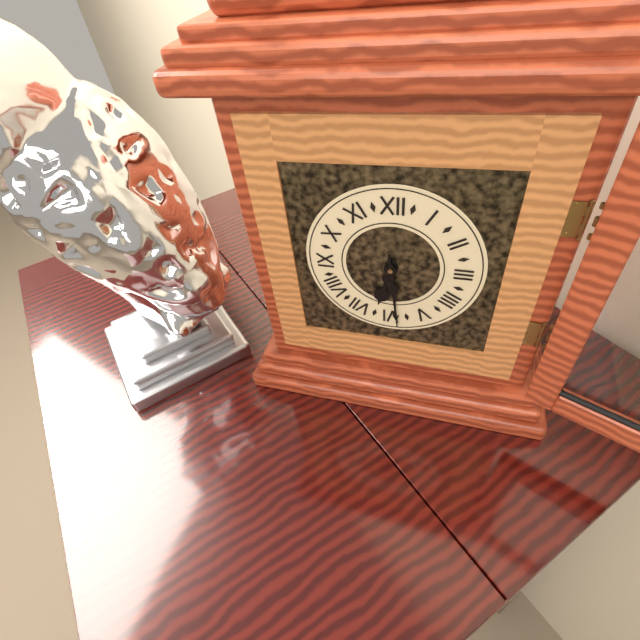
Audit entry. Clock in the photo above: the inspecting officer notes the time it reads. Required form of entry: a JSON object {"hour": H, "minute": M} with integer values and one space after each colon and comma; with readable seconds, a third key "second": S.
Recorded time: {"hour": 6, "minute": 29}
